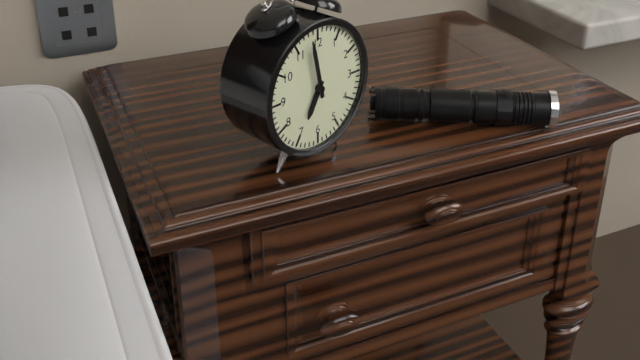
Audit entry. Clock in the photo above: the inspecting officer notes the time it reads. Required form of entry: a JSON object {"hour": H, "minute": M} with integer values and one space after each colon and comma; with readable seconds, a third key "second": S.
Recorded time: {"hour": 6, "minute": 58}
